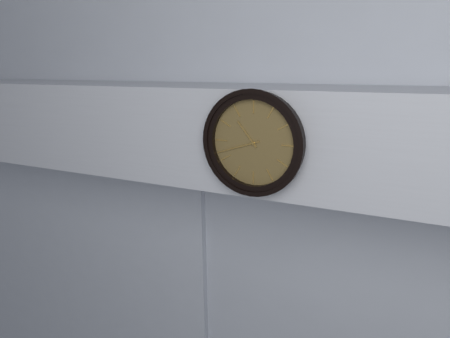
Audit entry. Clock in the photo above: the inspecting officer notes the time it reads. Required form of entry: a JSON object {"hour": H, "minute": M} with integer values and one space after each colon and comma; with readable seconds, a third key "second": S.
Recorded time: {"hour": 10, "minute": 42}
